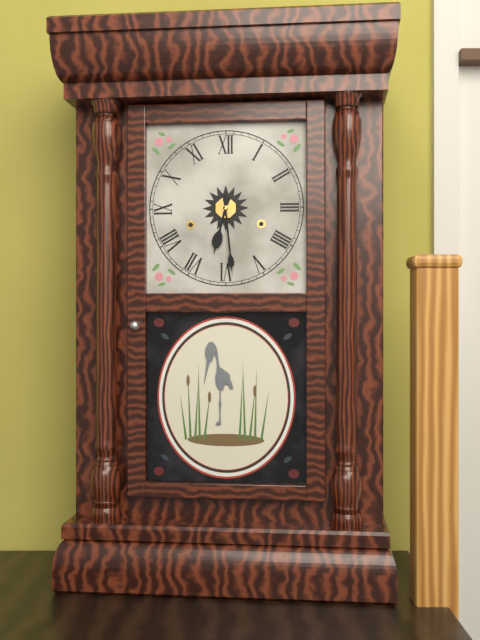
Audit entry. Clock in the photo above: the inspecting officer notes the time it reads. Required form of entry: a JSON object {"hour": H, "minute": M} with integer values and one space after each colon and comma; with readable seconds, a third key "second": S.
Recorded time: {"hour": 6, "minute": 29}
